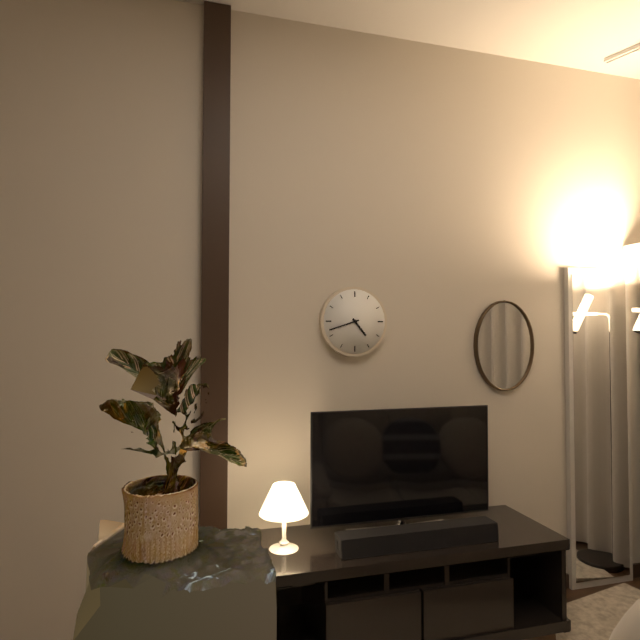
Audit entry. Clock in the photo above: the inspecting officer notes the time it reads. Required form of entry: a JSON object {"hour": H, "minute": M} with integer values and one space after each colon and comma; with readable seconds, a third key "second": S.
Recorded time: {"hour": 4, "minute": 42}
